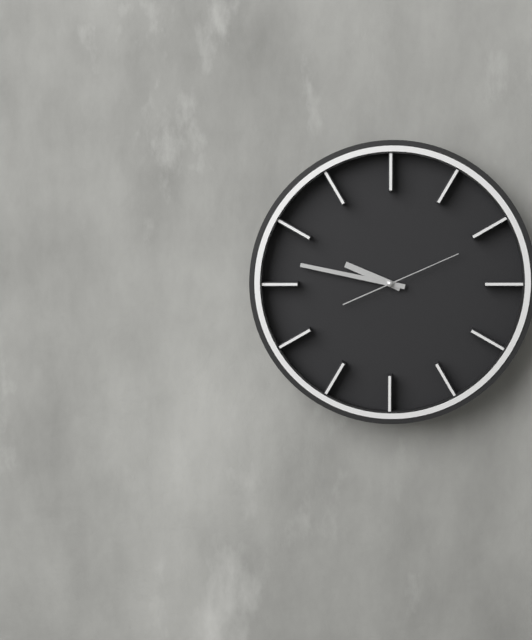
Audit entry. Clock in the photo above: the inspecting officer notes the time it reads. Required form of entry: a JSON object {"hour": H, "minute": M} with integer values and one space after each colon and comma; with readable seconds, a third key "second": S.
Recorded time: {"hour": 9, "minute": 47, "second": 11}
